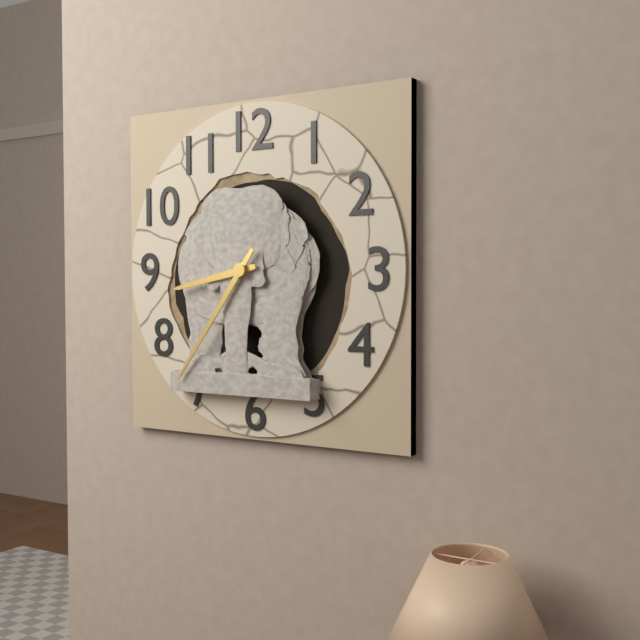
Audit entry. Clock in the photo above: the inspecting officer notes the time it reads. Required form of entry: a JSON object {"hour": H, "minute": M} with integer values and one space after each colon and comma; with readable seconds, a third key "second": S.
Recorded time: {"hour": 8, "minute": 36}
